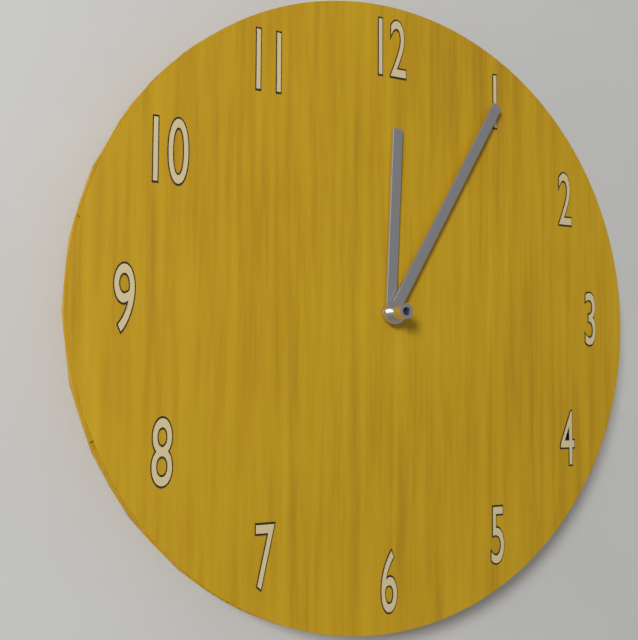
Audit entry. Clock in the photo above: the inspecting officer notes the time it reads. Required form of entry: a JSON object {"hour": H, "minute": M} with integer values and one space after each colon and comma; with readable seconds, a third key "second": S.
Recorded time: {"hour": 12, "minute": 5}
